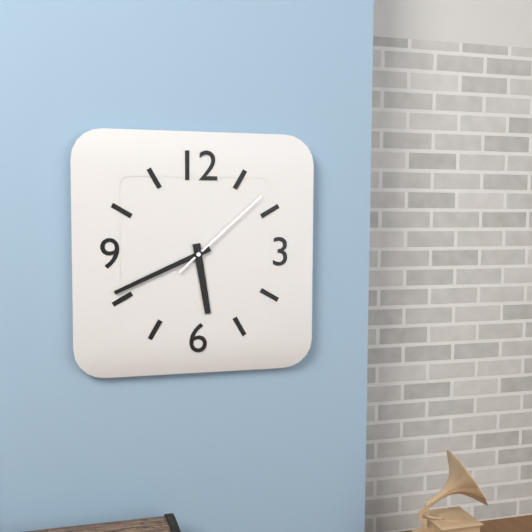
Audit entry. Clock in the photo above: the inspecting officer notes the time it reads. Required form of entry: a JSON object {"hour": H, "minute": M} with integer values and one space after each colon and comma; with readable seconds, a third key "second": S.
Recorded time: {"hour": 5, "minute": 41, "second": 8}
